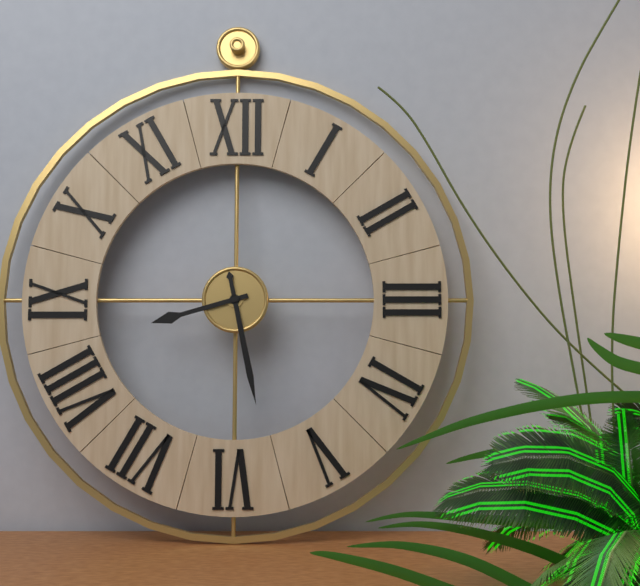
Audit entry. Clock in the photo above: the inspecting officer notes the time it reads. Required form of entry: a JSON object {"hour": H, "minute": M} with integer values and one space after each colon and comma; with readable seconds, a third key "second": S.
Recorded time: {"hour": 8, "minute": 28}
